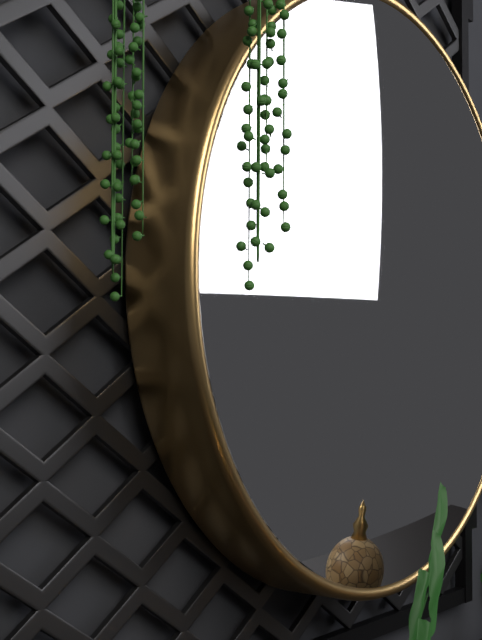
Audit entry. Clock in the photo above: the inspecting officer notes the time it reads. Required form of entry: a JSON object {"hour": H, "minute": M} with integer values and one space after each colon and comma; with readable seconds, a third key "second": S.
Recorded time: {"hour": 4, "minute": 45}
